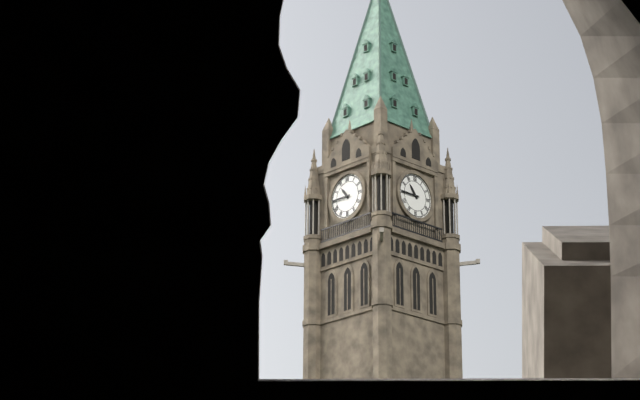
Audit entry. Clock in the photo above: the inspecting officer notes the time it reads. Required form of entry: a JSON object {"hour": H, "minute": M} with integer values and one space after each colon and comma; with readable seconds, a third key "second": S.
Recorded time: {"hour": 10, "minute": 45}
